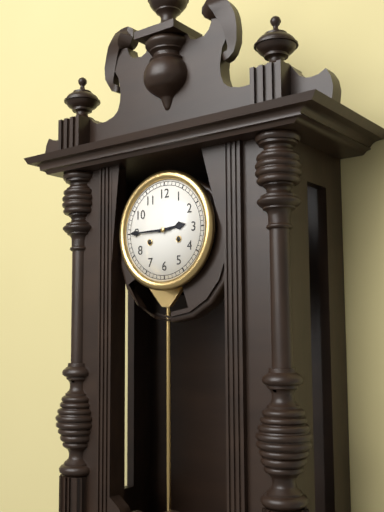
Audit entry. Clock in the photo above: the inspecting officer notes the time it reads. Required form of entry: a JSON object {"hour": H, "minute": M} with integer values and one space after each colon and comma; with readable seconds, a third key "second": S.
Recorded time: {"hour": 2, "minute": 45}
